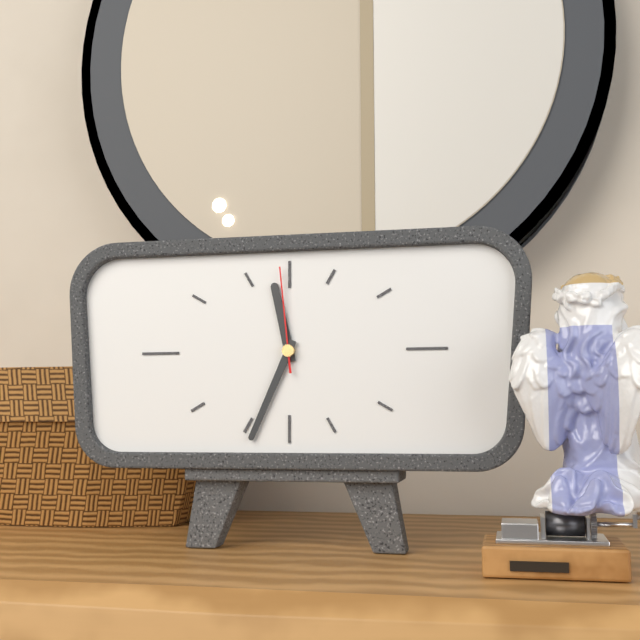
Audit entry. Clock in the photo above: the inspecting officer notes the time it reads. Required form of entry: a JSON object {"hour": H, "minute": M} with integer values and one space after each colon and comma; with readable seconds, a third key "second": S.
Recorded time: {"hour": 11, "minute": 34, "second": 59}
